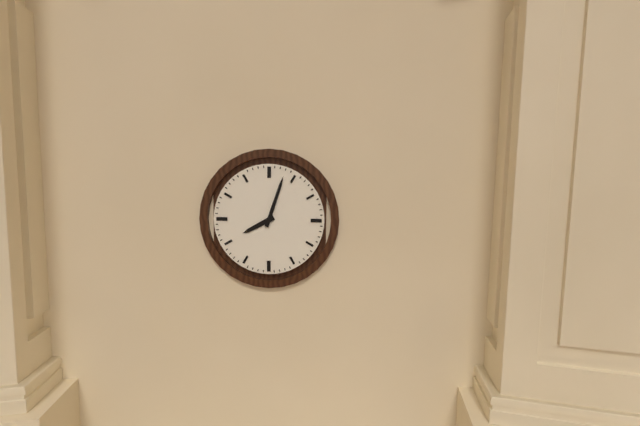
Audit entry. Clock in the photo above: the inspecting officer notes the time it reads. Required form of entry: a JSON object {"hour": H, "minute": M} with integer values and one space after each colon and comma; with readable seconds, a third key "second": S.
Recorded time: {"hour": 8, "minute": 3}
